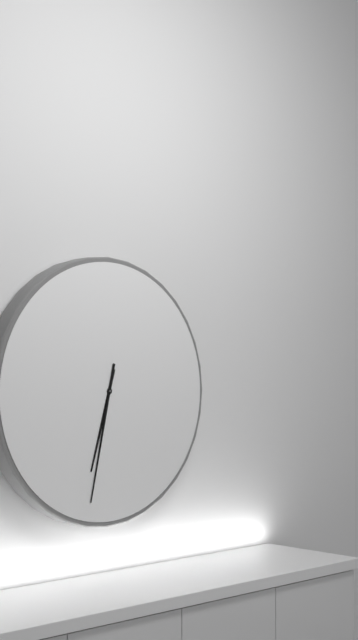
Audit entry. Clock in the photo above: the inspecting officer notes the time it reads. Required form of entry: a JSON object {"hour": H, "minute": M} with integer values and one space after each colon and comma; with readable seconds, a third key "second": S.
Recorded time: {"hour": 6, "minute": 32}
